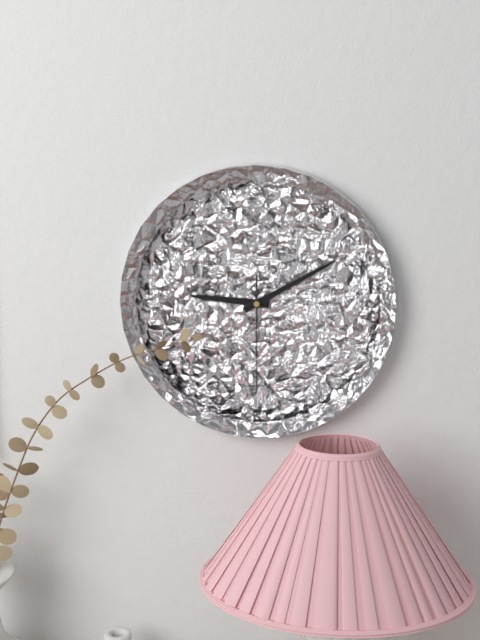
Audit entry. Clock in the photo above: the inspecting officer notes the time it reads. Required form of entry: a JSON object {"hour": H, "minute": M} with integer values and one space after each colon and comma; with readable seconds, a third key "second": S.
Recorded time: {"hour": 9, "minute": 10, "second": 30}
